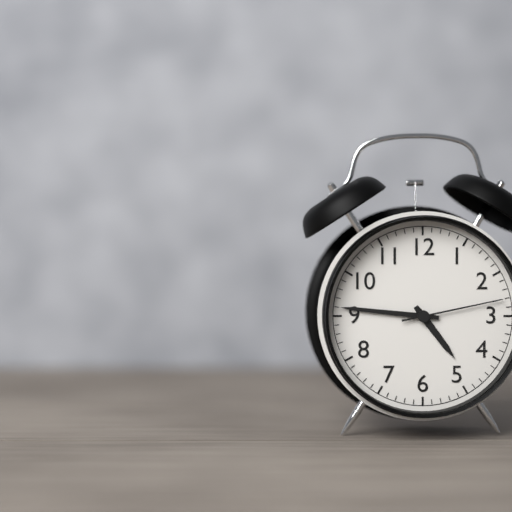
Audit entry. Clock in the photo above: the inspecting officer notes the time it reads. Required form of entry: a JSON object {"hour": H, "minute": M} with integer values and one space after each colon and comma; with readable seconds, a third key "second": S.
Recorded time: {"hour": 4, "minute": 46, "second": 13}
